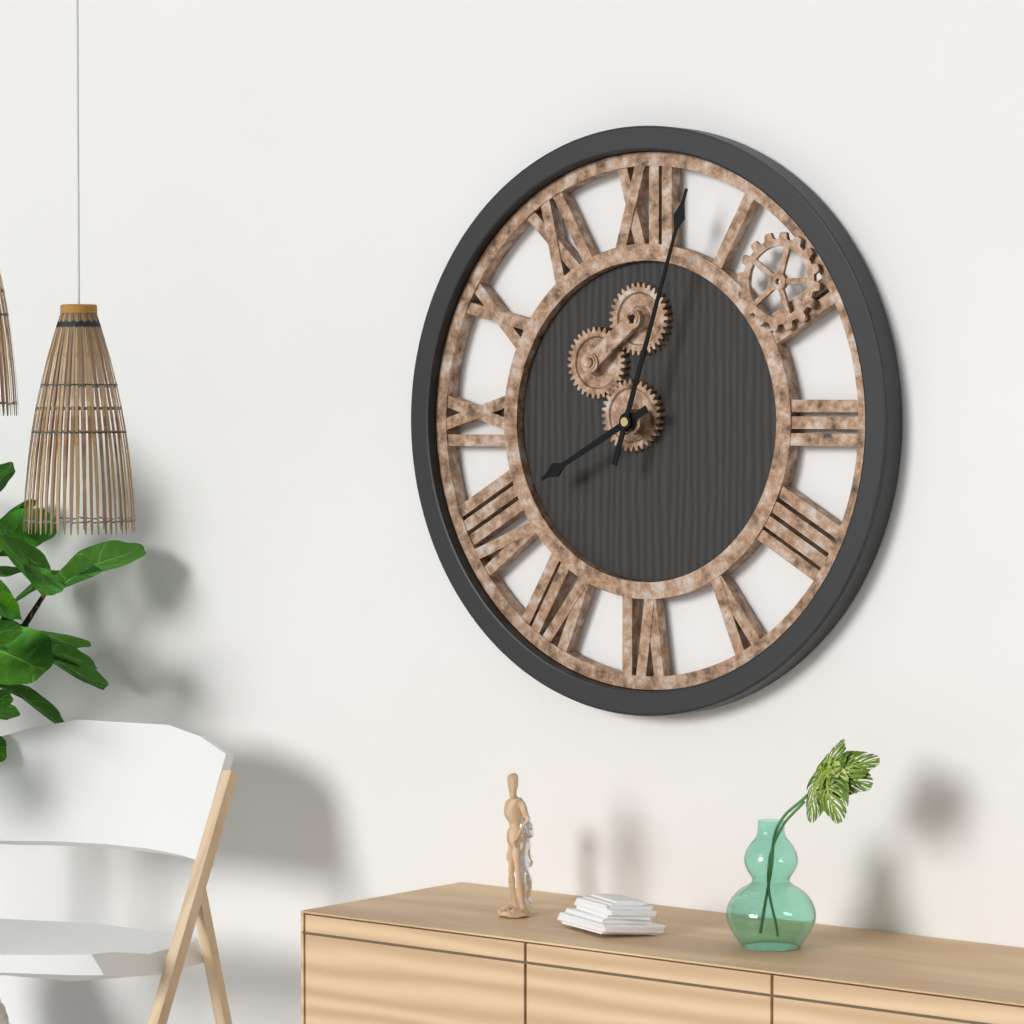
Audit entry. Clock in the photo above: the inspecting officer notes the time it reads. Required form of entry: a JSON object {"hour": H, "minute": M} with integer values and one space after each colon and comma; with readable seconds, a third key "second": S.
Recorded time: {"hour": 8, "minute": 3}
